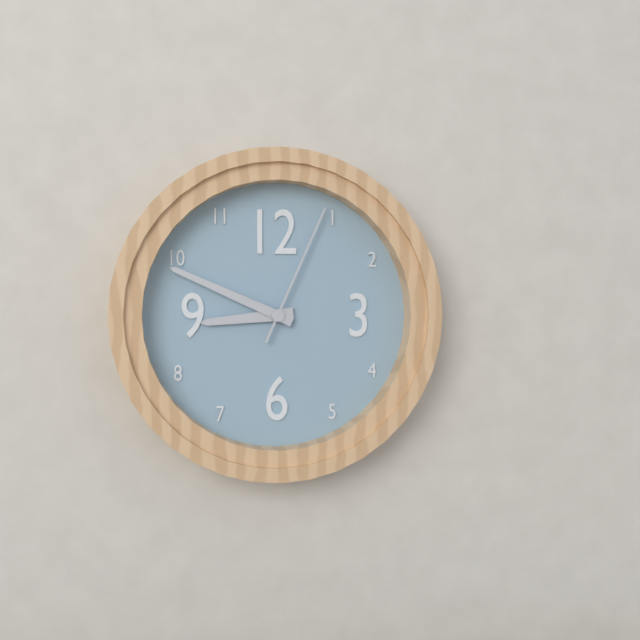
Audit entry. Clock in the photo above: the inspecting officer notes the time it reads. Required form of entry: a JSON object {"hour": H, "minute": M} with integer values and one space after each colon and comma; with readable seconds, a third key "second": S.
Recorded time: {"hour": 8, "minute": 49, "second": 4}
